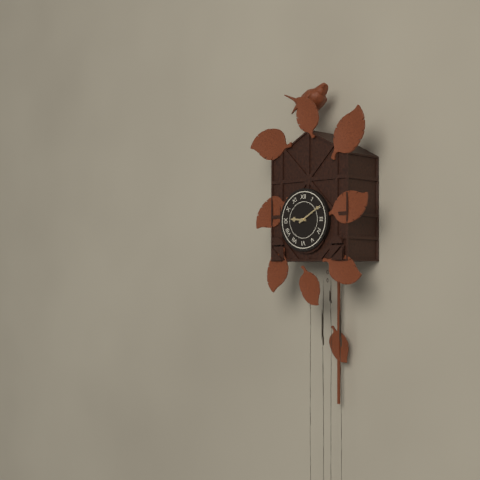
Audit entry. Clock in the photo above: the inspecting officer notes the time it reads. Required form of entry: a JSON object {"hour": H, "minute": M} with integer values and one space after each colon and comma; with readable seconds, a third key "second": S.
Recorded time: {"hour": 9, "minute": 10}
